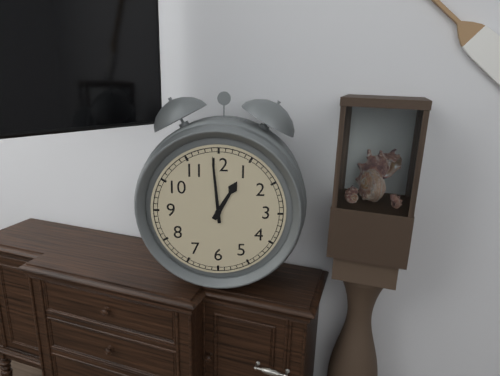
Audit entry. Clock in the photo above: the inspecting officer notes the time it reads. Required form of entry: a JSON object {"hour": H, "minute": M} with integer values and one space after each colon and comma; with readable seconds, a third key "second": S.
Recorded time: {"hour": 12, "minute": 59}
